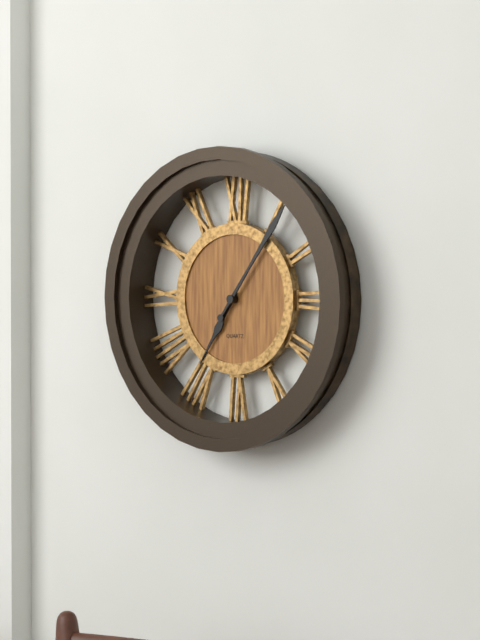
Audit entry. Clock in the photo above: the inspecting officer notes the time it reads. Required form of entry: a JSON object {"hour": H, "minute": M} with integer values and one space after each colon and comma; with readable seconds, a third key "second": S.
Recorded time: {"hour": 7, "minute": 6}
